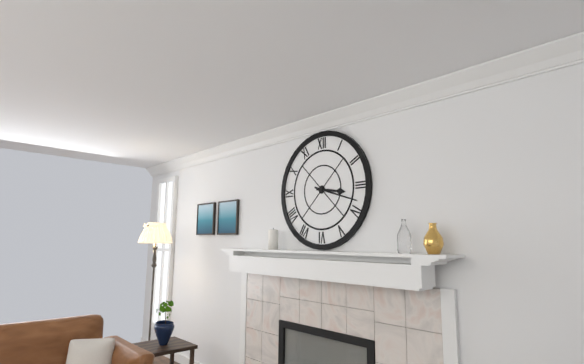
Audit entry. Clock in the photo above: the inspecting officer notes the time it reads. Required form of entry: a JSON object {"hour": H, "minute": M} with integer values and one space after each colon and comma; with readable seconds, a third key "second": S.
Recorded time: {"hour": 3, "minute": 18}
